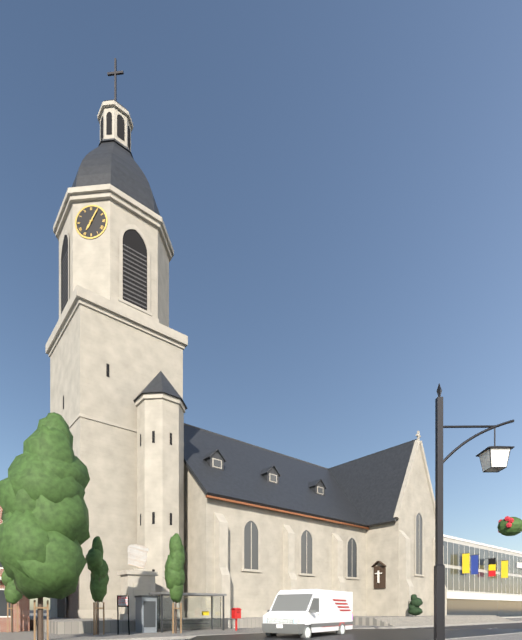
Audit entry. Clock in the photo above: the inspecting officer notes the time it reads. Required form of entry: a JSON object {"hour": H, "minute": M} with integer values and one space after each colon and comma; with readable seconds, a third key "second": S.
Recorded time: {"hour": 7, "minute": 5}
